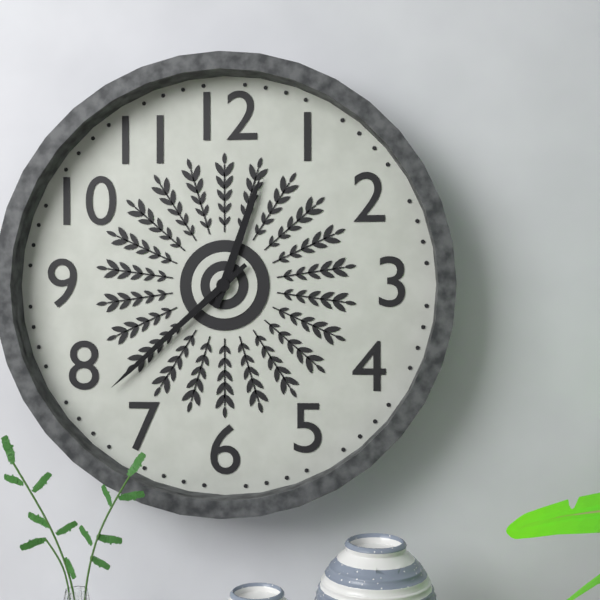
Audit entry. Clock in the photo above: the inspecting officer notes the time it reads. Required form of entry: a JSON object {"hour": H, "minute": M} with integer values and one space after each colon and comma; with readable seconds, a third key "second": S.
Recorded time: {"hour": 12, "minute": 38}
